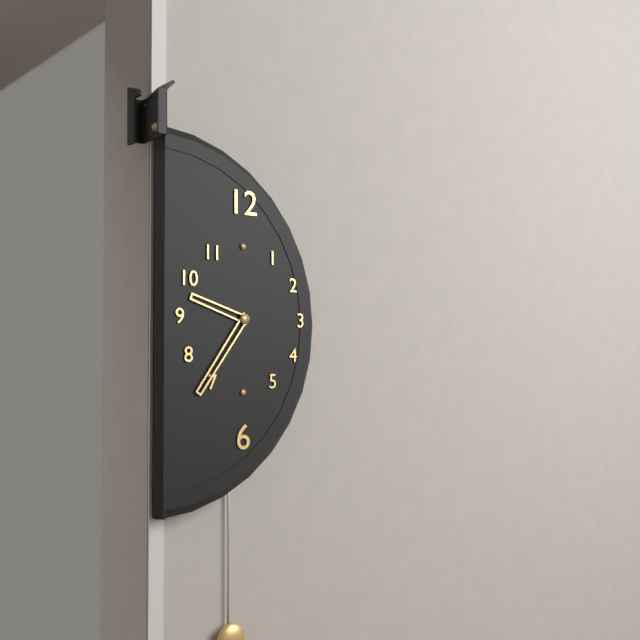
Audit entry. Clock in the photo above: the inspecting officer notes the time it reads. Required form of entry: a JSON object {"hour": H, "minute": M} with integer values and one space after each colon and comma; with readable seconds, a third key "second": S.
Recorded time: {"hour": 9, "minute": 36}
